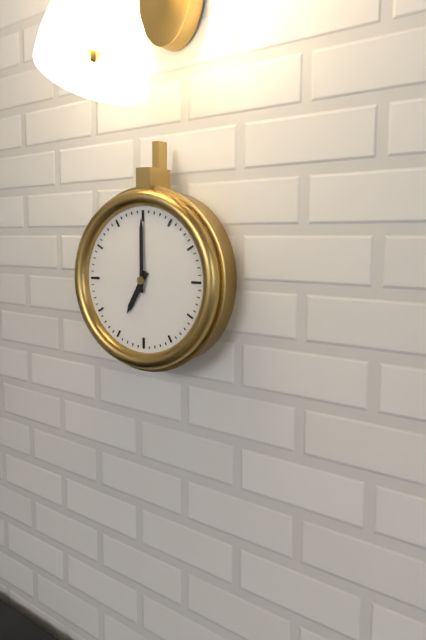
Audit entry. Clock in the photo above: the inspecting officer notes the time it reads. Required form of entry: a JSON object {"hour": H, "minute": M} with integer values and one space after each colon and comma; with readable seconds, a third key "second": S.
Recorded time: {"hour": 7, "minute": 0}
